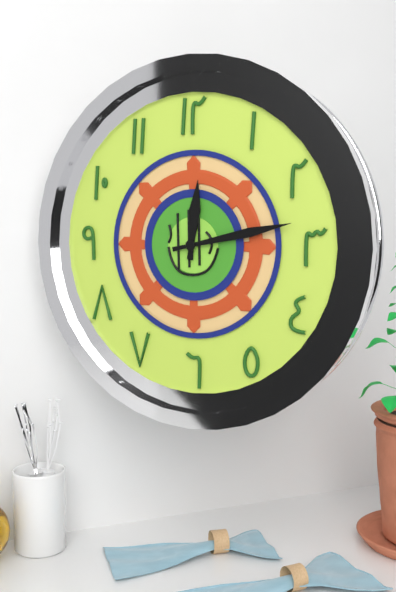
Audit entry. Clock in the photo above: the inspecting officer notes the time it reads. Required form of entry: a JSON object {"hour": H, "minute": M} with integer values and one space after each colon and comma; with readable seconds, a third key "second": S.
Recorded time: {"hour": 12, "minute": 13}
